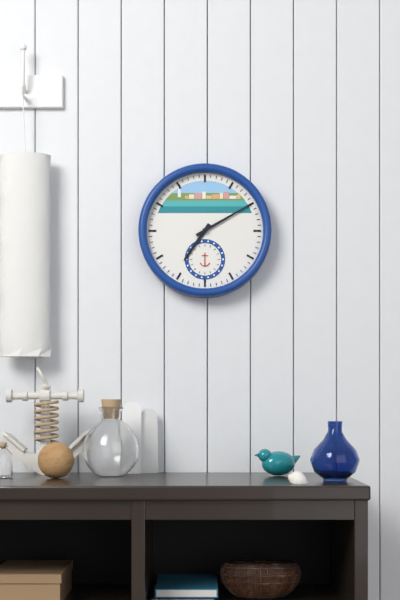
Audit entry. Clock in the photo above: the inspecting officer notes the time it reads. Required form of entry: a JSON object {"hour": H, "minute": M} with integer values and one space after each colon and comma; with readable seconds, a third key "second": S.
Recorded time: {"hour": 7, "minute": 10}
